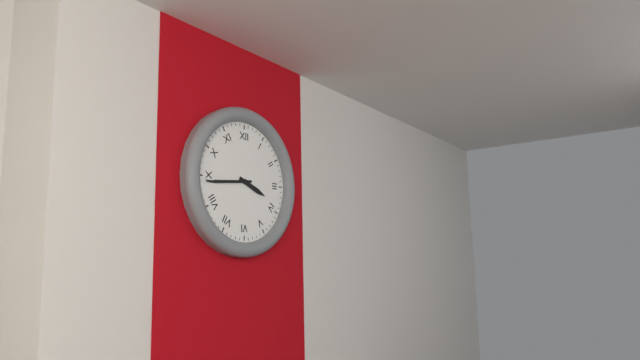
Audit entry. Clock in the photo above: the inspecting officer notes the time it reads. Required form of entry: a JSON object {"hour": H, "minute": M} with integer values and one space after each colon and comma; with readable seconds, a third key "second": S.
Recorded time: {"hour": 3, "minute": 44}
